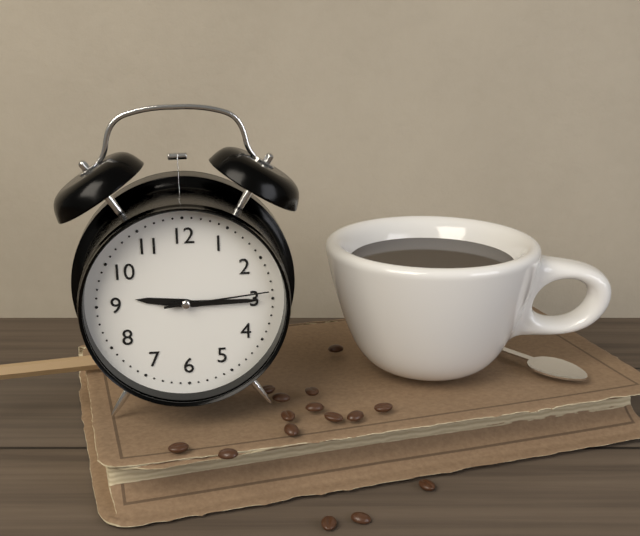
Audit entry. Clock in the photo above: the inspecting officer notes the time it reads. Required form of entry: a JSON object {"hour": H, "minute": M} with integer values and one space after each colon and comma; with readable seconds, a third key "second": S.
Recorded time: {"hour": 9, "minute": 15, "second": 14}
